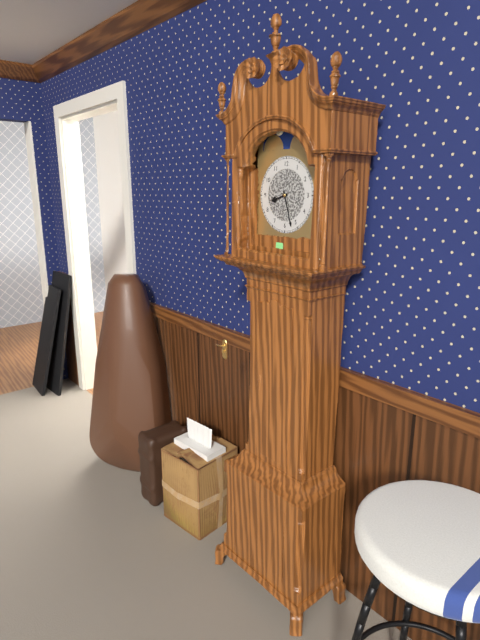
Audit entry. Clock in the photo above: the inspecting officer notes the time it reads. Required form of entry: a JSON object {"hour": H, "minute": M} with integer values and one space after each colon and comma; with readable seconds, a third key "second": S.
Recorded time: {"hour": 8, "minute": 27}
